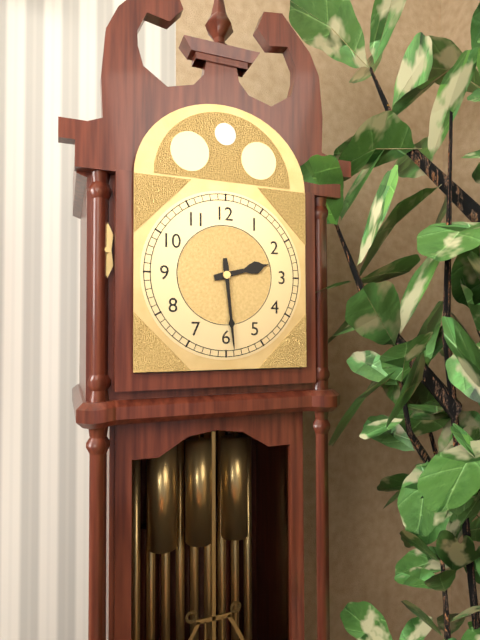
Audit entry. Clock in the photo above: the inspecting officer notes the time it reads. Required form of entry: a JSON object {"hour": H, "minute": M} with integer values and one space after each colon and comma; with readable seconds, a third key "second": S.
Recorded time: {"hour": 2, "minute": 29}
